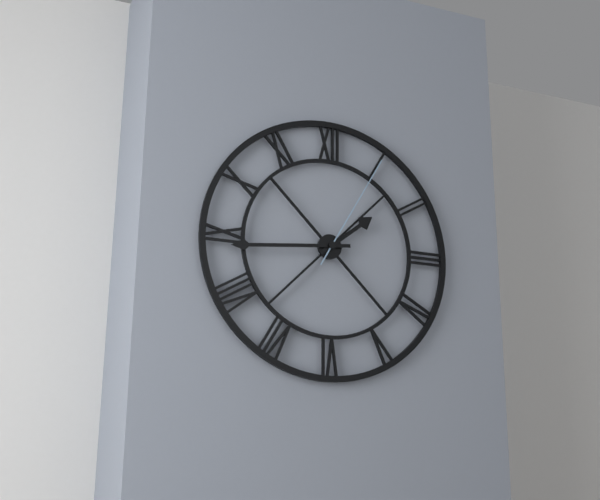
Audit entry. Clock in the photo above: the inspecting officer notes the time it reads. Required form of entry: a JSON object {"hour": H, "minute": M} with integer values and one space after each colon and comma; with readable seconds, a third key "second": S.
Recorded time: {"hour": 1, "minute": 44, "second": 5}
